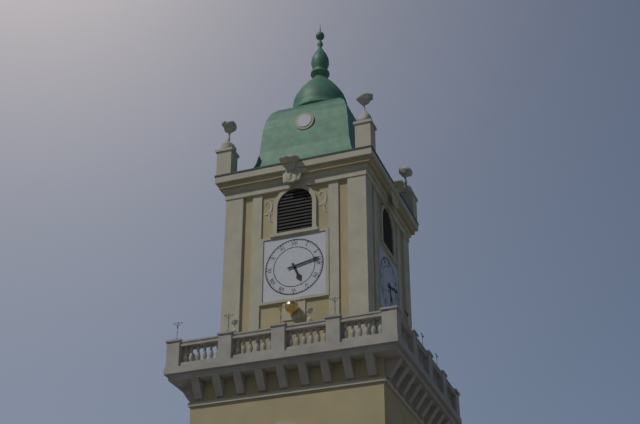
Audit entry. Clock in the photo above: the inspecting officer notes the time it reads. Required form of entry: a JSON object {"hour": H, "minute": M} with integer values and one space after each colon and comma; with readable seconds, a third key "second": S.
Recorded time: {"hour": 5, "minute": 13}
